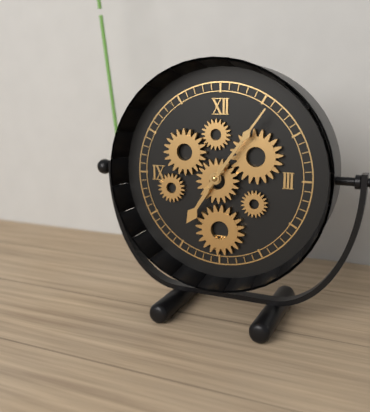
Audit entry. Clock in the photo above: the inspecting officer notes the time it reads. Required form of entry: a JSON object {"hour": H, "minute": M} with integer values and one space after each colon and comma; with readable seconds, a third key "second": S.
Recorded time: {"hour": 7, "minute": 6}
